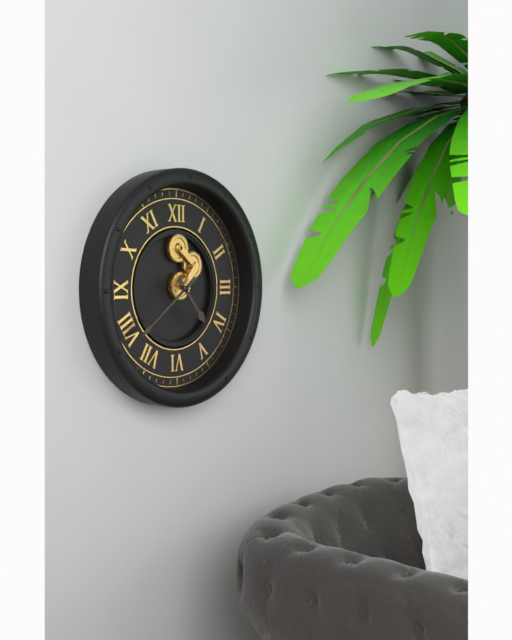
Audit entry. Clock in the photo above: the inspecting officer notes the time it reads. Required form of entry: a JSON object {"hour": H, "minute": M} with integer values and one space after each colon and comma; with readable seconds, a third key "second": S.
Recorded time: {"hour": 4, "minute": 39}
